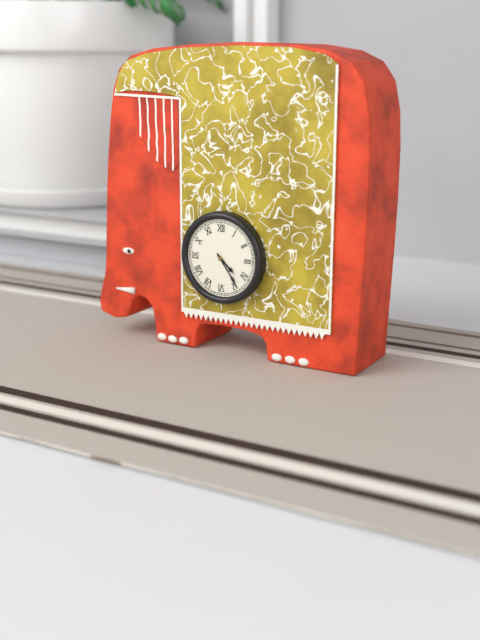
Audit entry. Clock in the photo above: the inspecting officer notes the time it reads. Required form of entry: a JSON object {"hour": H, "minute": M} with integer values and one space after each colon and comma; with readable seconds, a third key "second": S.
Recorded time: {"hour": 4, "minute": 24}
